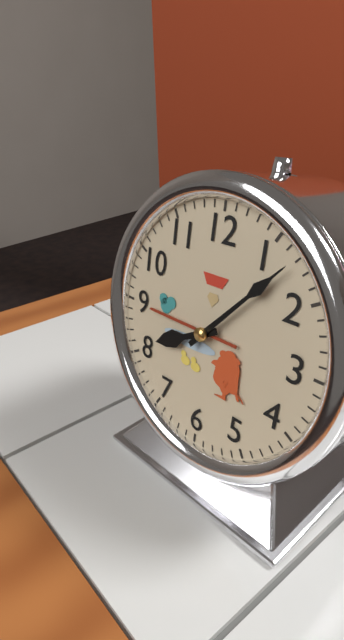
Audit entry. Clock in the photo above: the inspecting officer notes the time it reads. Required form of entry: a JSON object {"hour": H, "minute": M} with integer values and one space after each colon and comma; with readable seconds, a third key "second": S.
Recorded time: {"hour": 8, "minute": 7}
